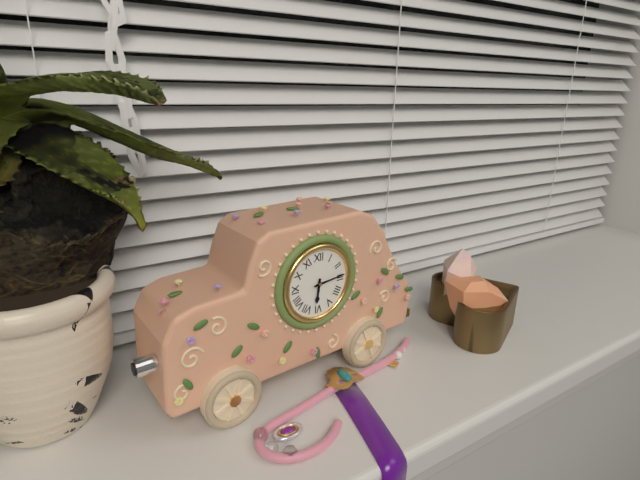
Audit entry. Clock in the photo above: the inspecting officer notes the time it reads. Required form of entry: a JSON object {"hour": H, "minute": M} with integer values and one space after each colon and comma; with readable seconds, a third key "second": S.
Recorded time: {"hour": 6, "minute": 14}
